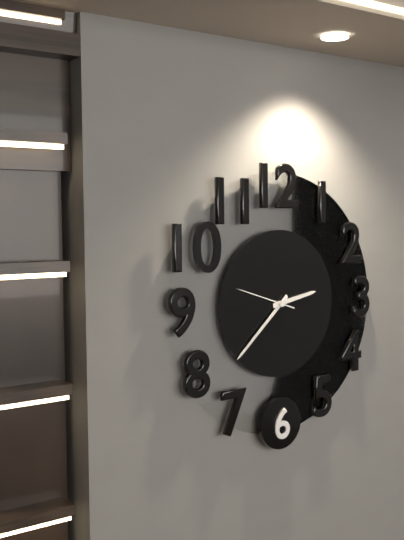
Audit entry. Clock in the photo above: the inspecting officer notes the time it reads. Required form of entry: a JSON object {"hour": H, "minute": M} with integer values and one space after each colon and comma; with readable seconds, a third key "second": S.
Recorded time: {"hour": 2, "minute": 38}
